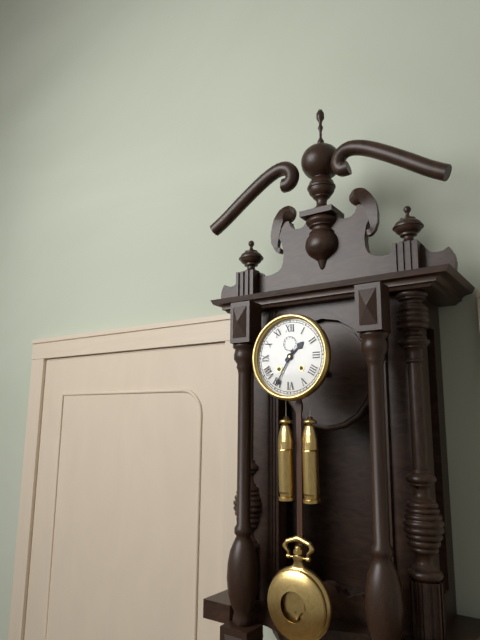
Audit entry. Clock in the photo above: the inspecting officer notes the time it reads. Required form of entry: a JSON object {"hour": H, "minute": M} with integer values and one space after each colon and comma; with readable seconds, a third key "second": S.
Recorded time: {"hour": 1, "minute": 35}
